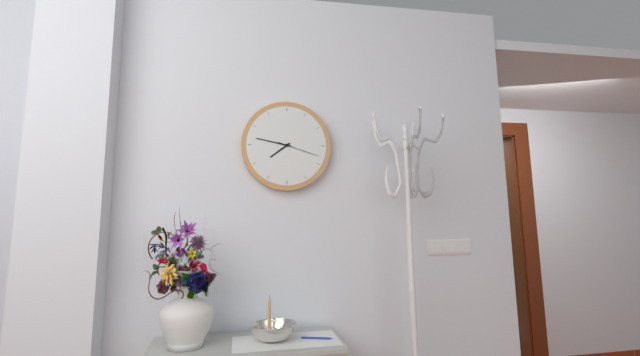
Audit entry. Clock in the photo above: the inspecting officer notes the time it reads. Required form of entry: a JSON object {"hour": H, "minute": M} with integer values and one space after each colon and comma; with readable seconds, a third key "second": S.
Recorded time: {"hour": 7, "minute": 47}
